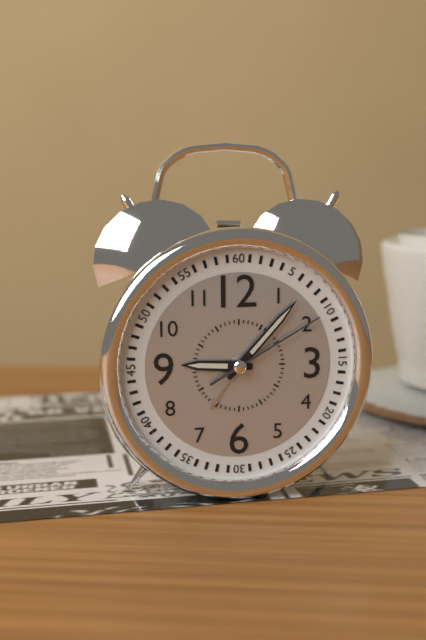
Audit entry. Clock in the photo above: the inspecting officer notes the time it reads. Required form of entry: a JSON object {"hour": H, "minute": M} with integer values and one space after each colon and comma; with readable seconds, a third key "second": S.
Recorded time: {"hour": 9, "minute": 7, "second": 10}
